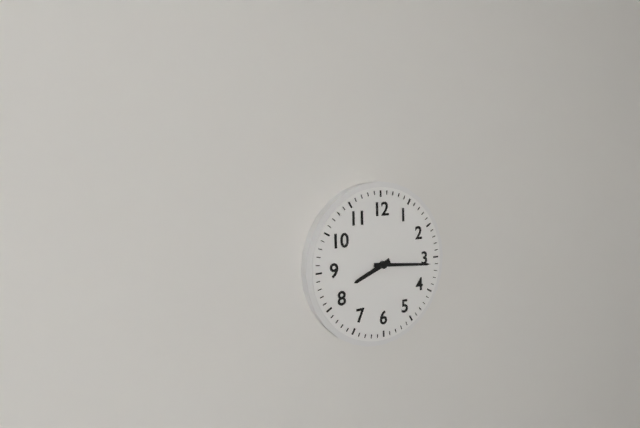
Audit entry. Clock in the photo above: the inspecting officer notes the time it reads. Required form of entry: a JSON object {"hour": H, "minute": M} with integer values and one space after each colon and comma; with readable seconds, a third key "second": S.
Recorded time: {"hour": 8, "minute": 16}
